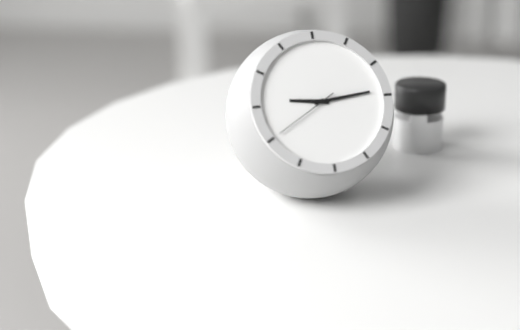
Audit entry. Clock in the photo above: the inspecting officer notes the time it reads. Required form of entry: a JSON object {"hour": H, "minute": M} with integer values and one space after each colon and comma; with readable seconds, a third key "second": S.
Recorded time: {"hour": 9, "minute": 14}
